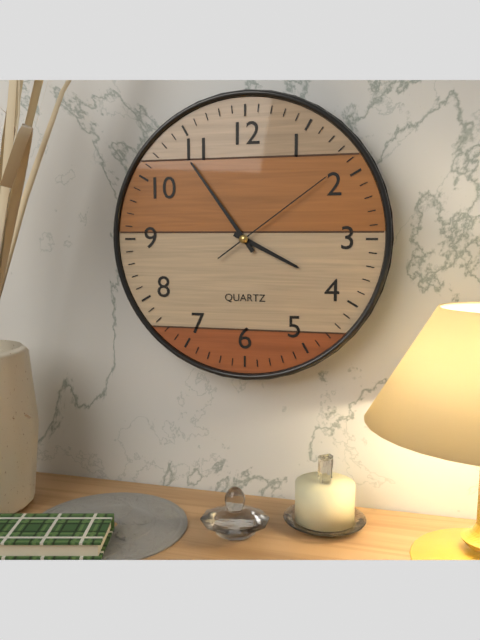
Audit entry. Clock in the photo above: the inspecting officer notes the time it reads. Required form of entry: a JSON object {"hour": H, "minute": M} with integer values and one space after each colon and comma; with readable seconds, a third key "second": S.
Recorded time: {"hour": 3, "minute": 54, "second": 9}
